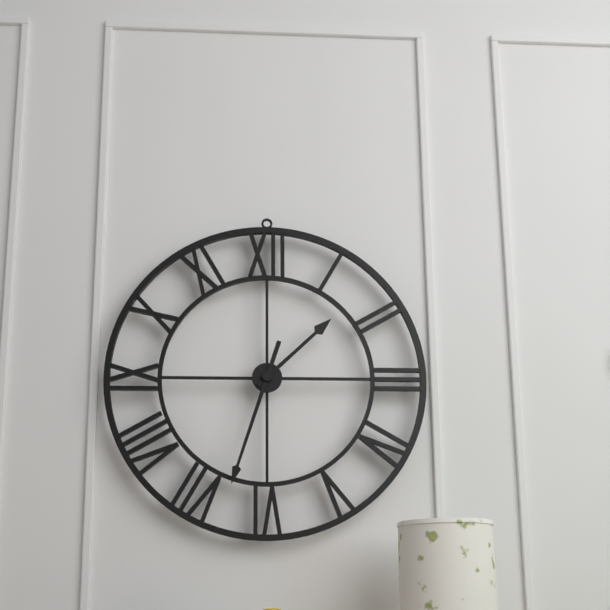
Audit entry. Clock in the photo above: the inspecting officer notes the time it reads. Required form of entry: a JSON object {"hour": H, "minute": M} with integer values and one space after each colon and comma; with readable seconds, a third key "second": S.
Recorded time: {"hour": 1, "minute": 33}
